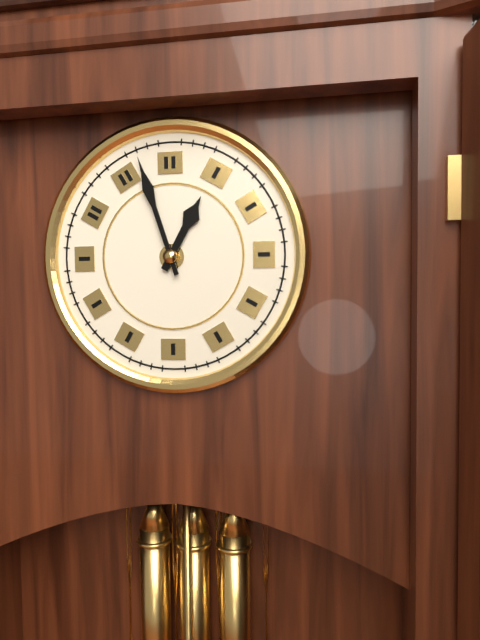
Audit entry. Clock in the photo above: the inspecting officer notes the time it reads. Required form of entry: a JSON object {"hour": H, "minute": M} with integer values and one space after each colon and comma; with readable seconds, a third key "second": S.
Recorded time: {"hour": 12, "minute": 57}
